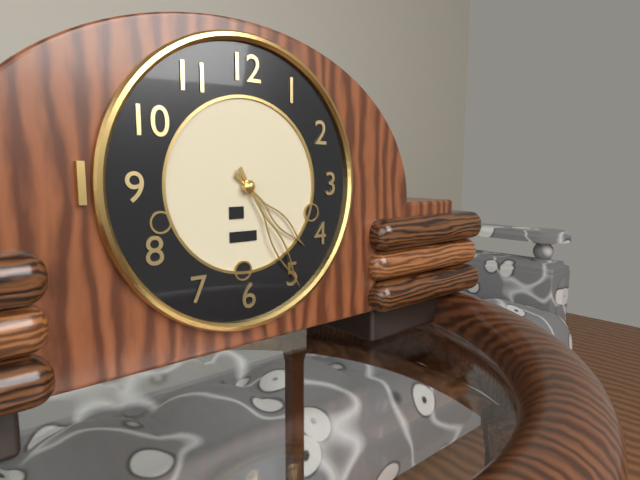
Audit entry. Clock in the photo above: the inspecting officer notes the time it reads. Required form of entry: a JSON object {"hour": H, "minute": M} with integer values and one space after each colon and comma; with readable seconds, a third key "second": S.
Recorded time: {"hour": 4, "minute": 25}
